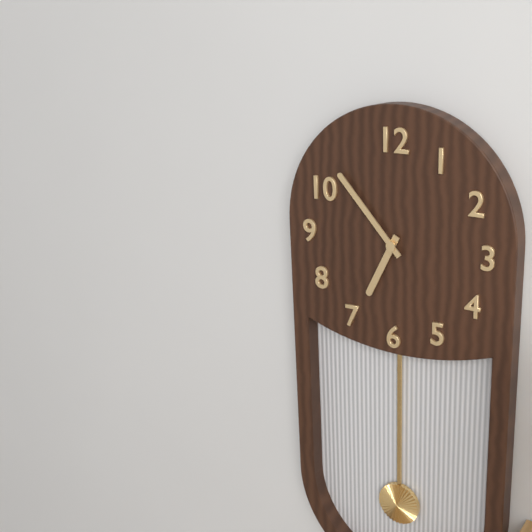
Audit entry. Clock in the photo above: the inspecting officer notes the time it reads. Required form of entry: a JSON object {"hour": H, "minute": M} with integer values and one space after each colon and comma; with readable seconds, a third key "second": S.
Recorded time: {"hour": 6, "minute": 53}
